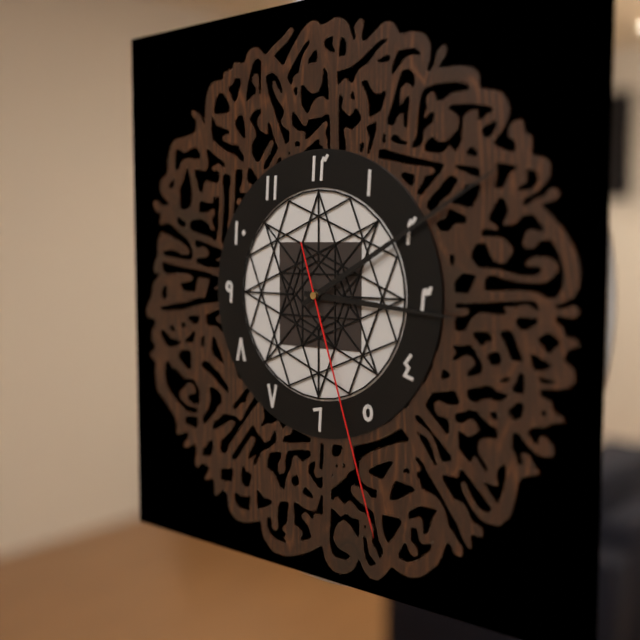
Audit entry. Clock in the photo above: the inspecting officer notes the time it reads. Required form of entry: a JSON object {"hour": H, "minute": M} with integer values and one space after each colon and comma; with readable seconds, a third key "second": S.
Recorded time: {"hour": 3, "minute": 10, "second": 27}
